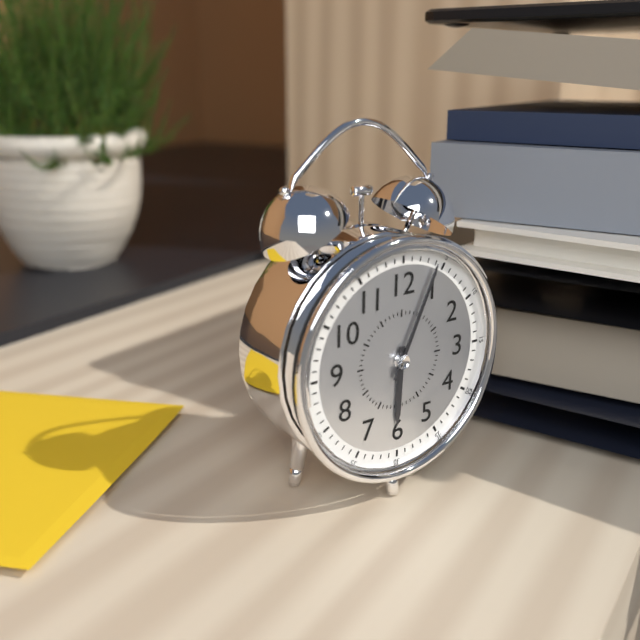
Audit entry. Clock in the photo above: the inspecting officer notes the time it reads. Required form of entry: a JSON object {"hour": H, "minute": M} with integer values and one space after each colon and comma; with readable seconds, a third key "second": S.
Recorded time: {"hour": 6, "minute": 4}
